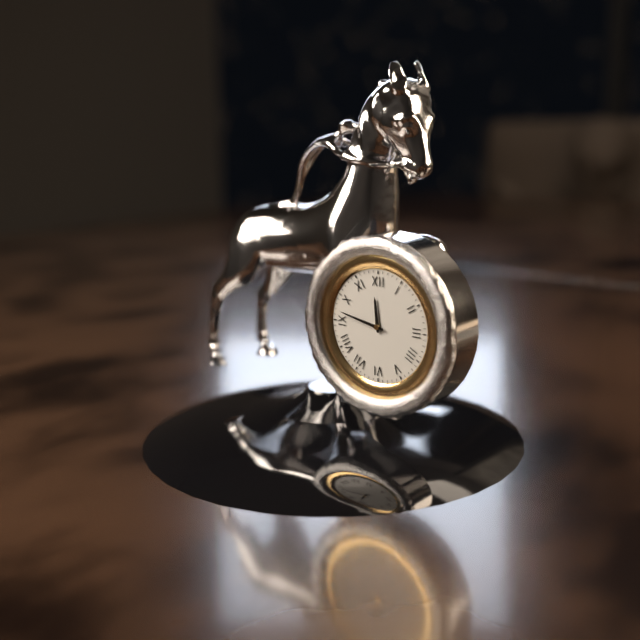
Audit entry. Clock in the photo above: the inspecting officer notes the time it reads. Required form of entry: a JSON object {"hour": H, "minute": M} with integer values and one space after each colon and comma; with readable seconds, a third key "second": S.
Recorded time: {"hour": 11, "minute": 47}
